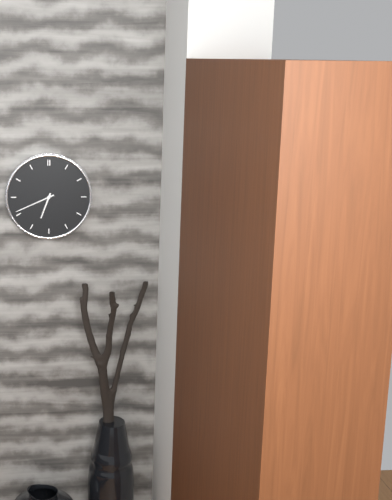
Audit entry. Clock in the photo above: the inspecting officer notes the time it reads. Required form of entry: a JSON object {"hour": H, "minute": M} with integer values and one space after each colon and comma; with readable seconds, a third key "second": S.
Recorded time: {"hour": 6, "minute": 41}
